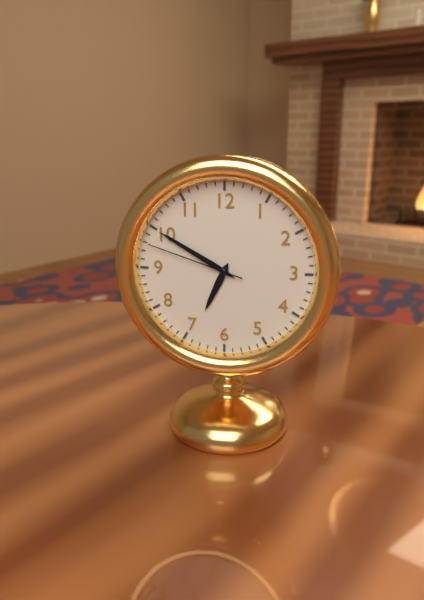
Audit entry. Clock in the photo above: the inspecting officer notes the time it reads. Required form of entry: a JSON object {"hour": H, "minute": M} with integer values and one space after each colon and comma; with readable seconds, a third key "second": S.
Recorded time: {"hour": 6, "minute": 50, "second": 48}
